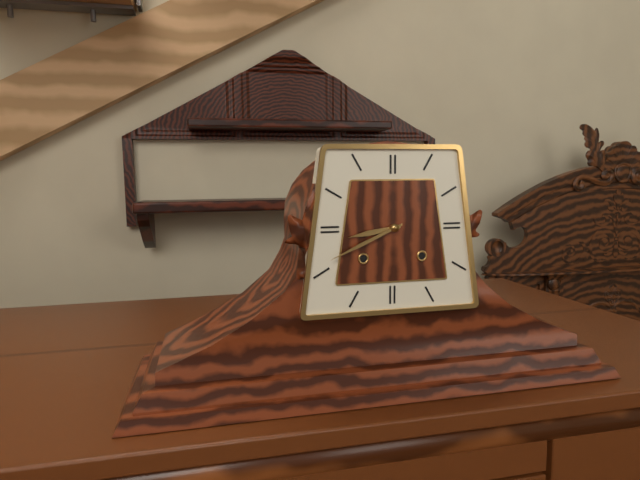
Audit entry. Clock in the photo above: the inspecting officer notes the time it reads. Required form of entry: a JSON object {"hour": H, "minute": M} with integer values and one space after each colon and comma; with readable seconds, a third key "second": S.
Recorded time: {"hour": 8, "minute": 41}
